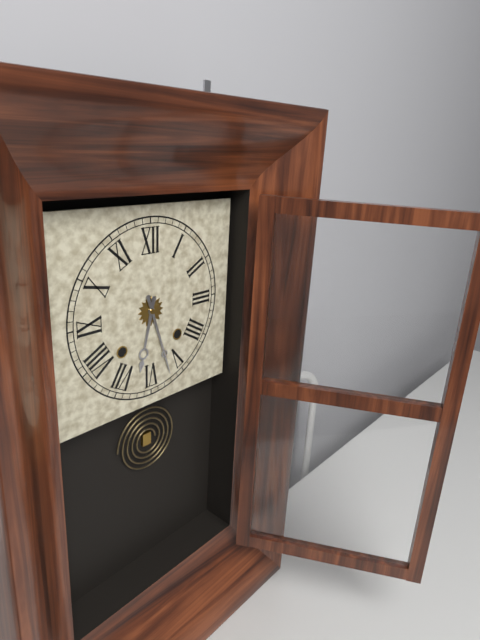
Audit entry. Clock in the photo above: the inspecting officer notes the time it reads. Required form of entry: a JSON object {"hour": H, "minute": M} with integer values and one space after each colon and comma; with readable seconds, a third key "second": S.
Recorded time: {"hour": 6, "minute": 27}
